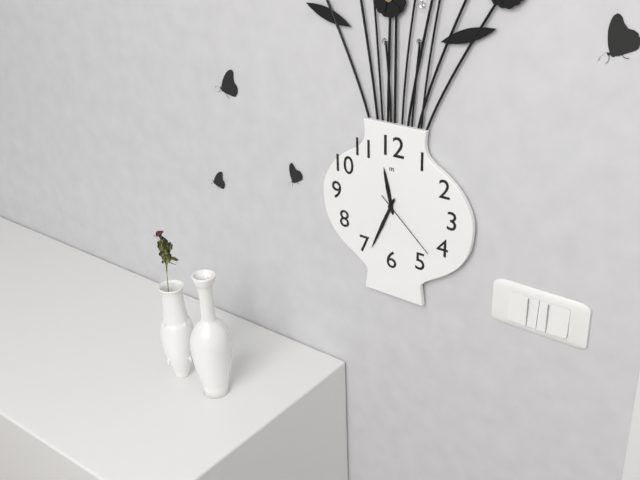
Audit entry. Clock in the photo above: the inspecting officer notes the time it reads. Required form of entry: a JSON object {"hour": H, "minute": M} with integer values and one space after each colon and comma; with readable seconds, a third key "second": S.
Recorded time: {"hour": 11, "minute": 34, "second": 22}
